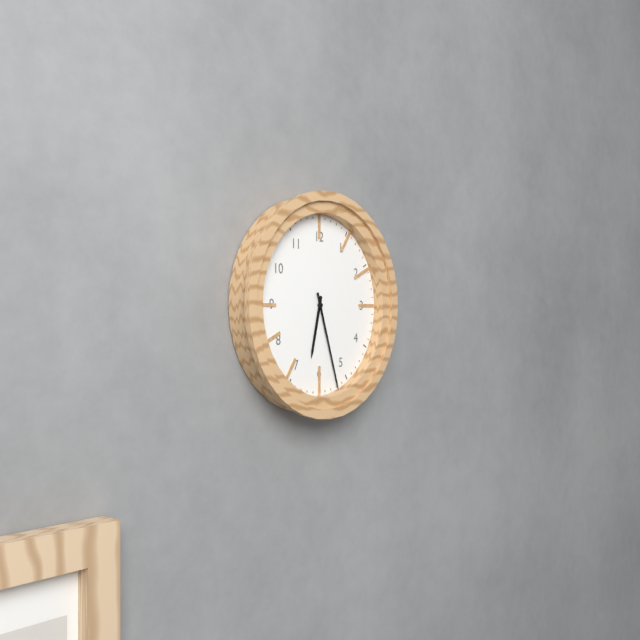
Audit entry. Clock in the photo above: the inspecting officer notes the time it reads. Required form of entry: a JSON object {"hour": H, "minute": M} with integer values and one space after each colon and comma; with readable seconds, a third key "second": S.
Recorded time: {"hour": 6, "minute": 27}
